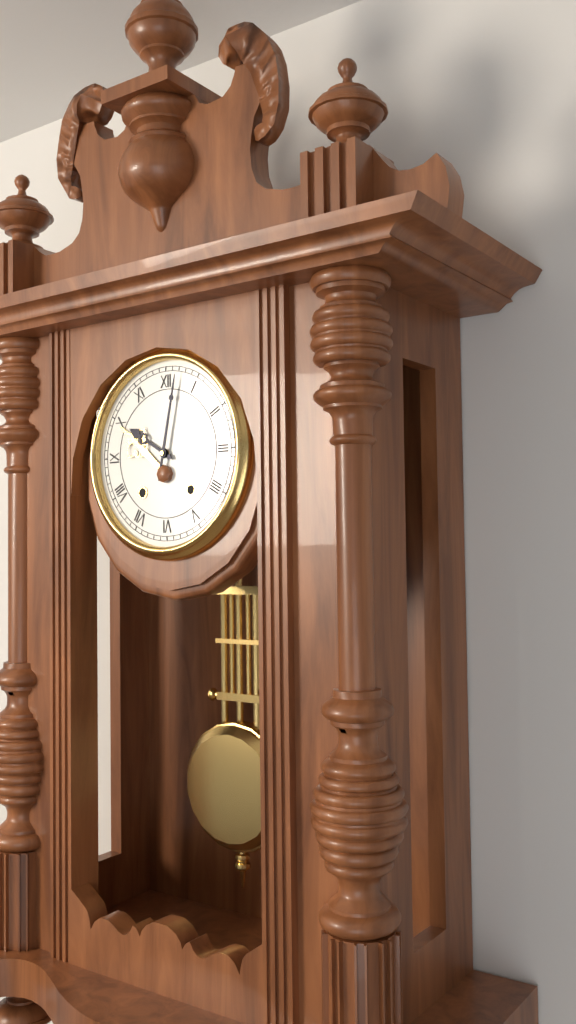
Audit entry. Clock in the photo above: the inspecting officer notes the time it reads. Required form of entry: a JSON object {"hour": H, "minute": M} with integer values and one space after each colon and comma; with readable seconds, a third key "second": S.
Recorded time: {"hour": 10, "minute": 2}
